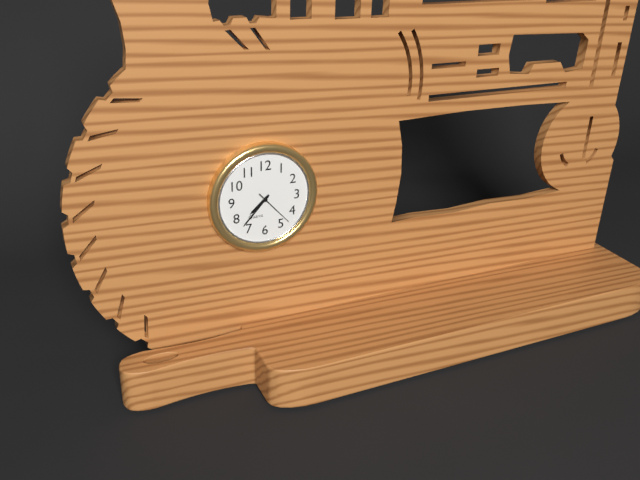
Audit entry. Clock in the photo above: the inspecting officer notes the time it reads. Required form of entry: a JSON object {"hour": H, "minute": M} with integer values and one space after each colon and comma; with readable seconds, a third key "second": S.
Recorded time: {"hour": 7, "minute": 37}
